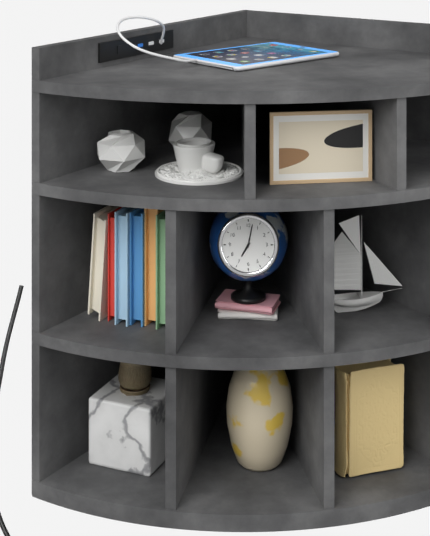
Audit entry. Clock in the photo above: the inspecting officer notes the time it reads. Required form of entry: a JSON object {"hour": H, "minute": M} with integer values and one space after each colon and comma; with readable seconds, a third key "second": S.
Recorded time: {"hour": 7, "minute": 2}
